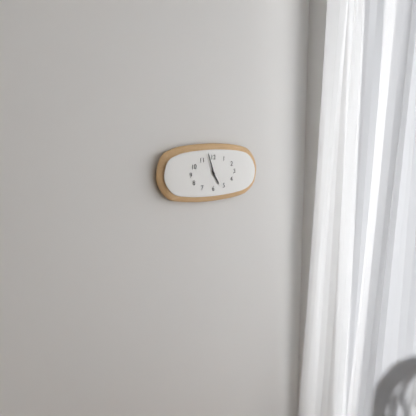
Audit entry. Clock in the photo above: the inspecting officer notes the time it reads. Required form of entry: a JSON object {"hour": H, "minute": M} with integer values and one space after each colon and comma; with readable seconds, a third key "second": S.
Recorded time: {"hour": 4, "minute": 57}
